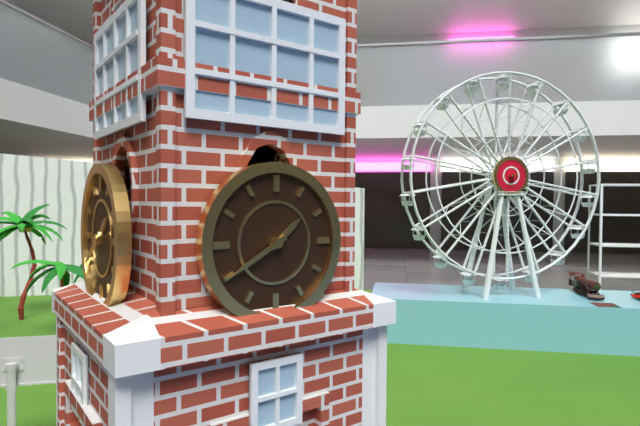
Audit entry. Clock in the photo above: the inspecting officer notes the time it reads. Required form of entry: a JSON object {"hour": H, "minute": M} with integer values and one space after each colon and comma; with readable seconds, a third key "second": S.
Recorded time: {"hour": 1, "minute": 40}
